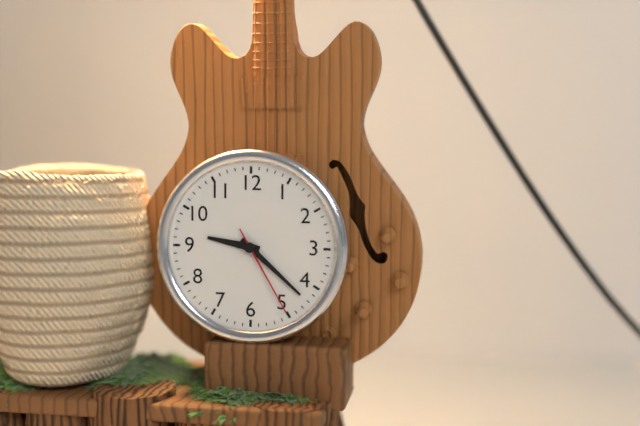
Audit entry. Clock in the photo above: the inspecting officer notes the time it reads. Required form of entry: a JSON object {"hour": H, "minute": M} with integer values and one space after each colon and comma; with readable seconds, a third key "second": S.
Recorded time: {"hour": 9, "minute": 22, "second": 25}
